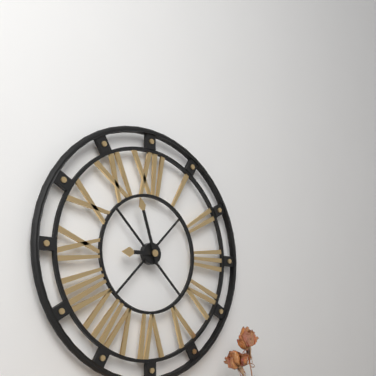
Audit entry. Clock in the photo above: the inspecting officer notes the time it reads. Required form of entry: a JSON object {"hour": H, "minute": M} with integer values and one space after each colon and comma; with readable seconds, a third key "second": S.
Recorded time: {"hour": 8, "minute": 57}
